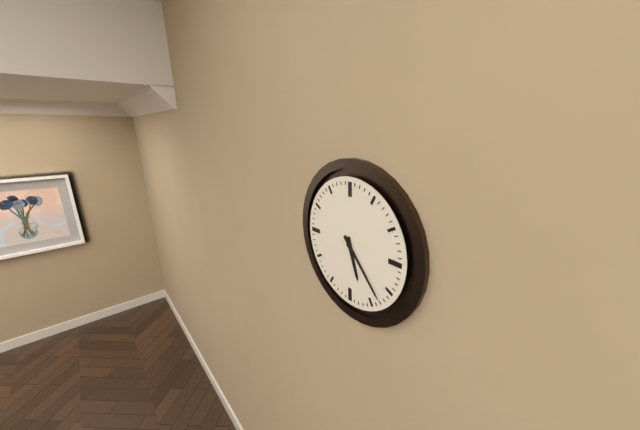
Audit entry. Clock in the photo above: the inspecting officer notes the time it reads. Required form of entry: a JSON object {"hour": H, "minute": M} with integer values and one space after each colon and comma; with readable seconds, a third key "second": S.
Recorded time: {"hour": 5, "minute": 23}
